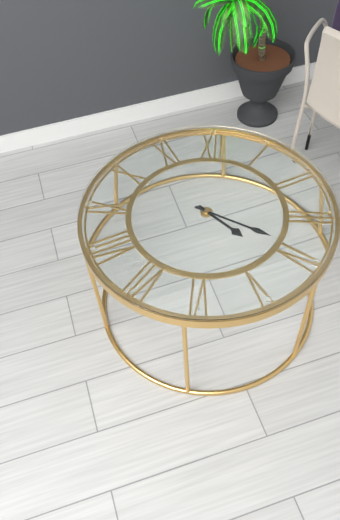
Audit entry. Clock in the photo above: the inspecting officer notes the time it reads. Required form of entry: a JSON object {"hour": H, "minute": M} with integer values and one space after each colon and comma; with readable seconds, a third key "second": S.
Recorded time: {"hour": 4, "minute": 19}
